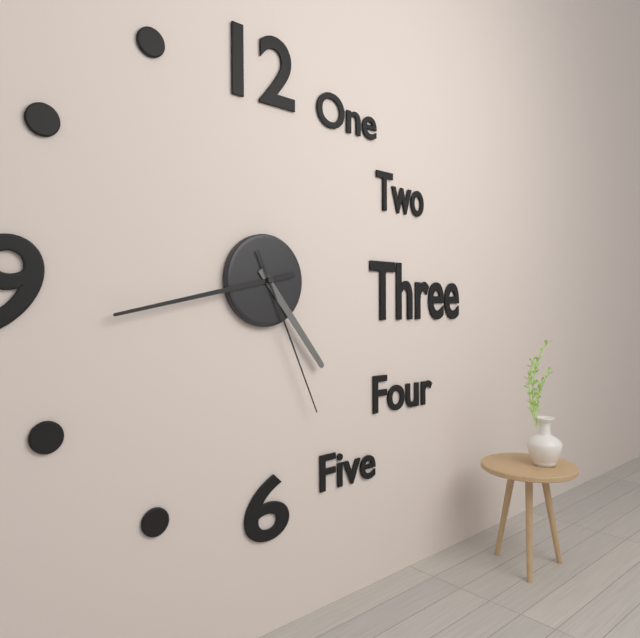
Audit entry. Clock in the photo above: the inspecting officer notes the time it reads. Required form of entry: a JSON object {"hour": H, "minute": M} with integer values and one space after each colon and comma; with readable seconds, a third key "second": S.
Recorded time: {"hour": 4, "minute": 43, "second": 26}
